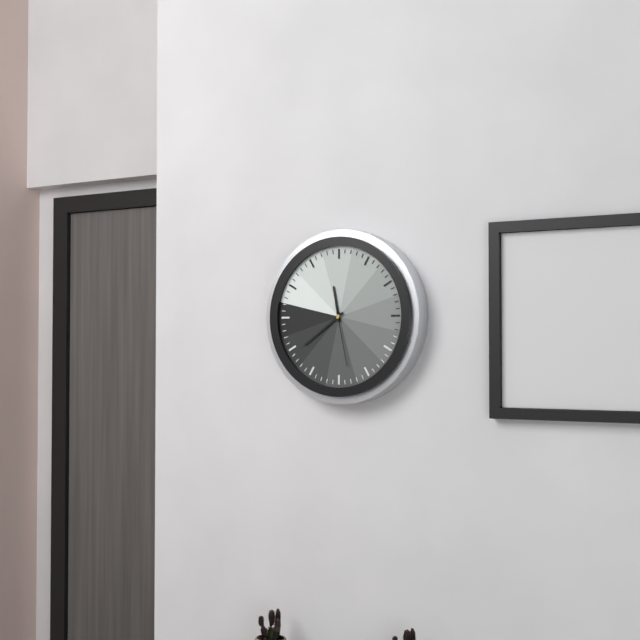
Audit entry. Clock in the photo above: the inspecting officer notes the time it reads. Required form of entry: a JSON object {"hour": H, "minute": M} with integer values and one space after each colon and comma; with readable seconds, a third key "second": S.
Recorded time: {"hour": 11, "minute": 39, "second": 28}
